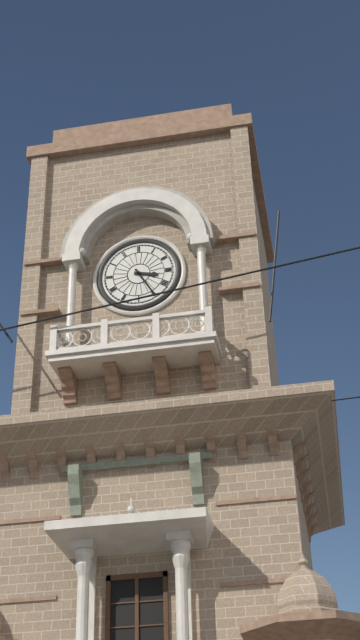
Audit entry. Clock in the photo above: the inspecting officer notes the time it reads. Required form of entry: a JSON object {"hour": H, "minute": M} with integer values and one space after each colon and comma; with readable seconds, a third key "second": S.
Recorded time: {"hour": 3, "minute": 25}
